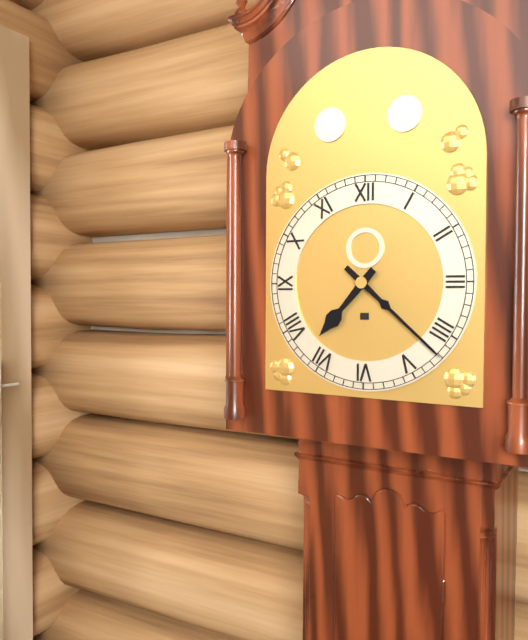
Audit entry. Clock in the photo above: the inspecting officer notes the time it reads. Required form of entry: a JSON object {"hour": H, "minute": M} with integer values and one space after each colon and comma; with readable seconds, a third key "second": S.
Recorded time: {"hour": 7, "minute": 22}
